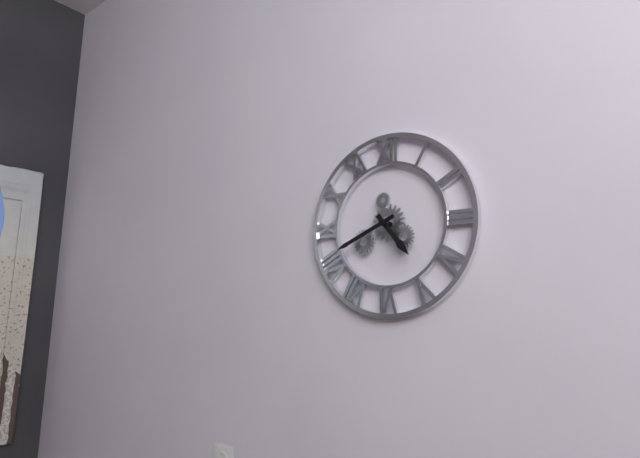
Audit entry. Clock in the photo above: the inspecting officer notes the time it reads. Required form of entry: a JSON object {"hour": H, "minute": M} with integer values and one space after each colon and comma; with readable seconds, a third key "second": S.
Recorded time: {"hour": 4, "minute": 41}
